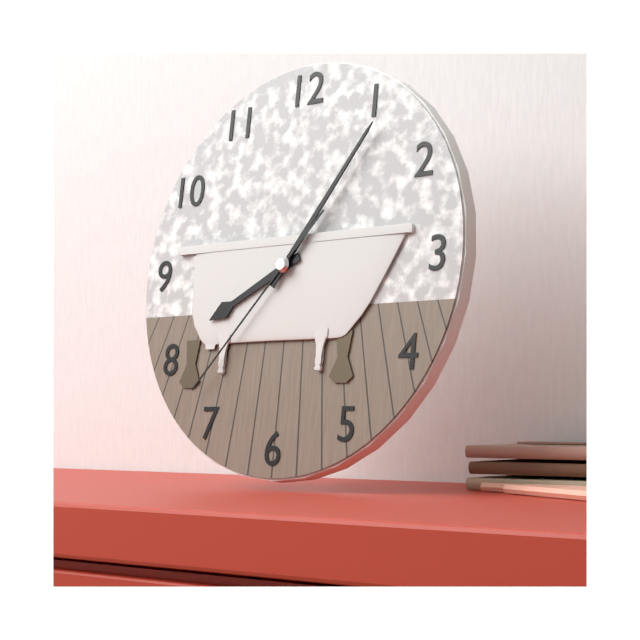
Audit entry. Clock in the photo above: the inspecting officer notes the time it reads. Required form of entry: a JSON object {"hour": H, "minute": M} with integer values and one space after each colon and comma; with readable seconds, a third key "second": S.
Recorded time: {"hour": 8, "minute": 6, "second": 37}
